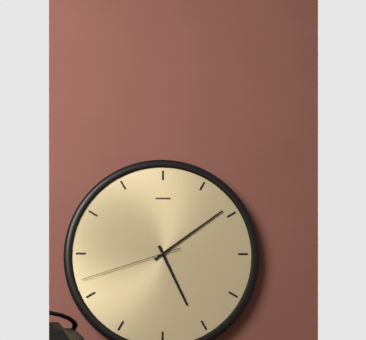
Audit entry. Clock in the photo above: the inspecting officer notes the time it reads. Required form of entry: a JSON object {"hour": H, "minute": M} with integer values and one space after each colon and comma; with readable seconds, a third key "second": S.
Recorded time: {"hour": 5, "minute": 9, "second": 42}
